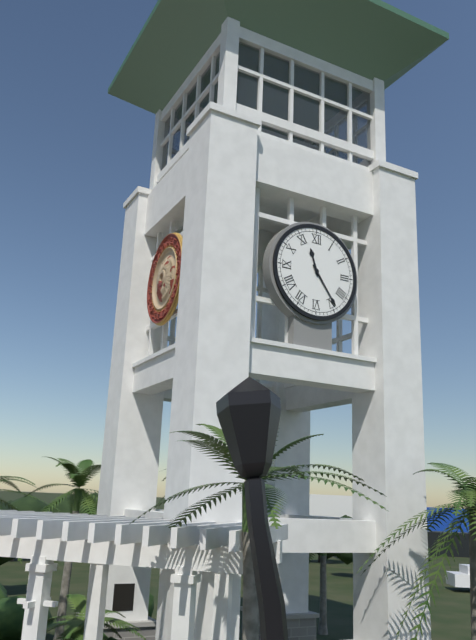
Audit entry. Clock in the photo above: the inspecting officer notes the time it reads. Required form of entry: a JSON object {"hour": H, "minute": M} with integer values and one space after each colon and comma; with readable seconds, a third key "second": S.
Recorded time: {"hour": 11, "minute": 24}
